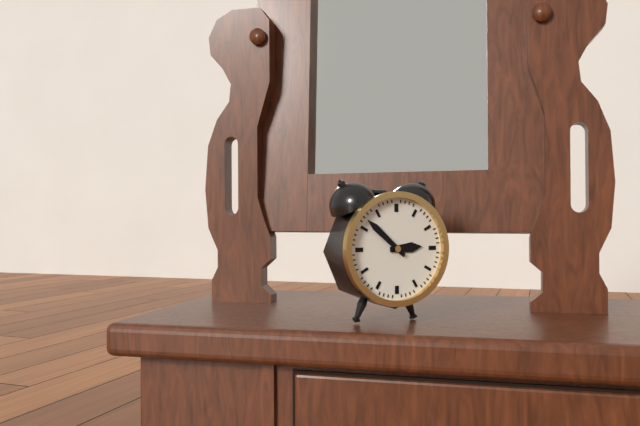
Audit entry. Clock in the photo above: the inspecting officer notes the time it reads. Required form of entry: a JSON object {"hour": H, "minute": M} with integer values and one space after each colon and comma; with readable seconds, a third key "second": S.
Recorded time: {"hour": 2, "minute": 52}
